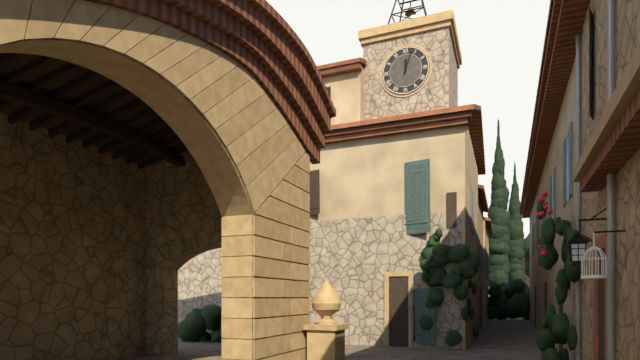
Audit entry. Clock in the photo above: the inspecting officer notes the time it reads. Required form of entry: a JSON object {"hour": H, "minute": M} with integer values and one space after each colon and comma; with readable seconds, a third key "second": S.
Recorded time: {"hour": 12, "minute": 3}
